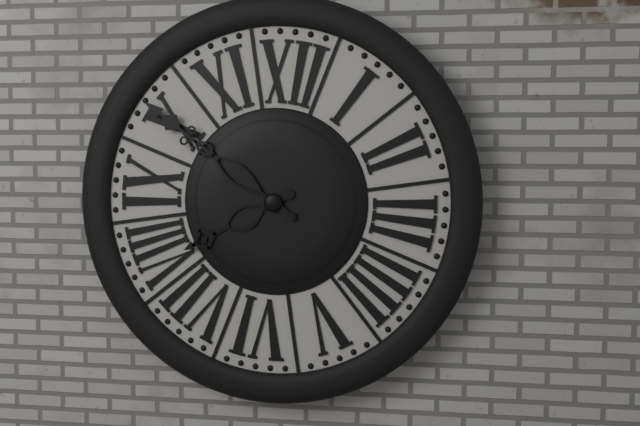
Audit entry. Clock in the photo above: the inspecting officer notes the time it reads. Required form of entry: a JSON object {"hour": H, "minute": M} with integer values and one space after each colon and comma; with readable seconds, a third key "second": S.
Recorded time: {"hour": 7, "minute": 50}
